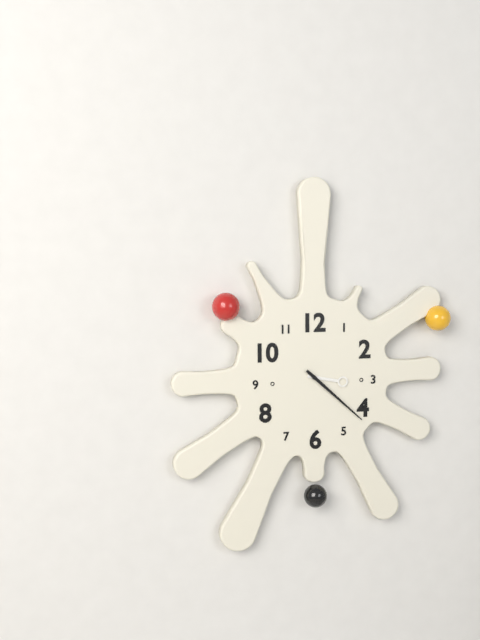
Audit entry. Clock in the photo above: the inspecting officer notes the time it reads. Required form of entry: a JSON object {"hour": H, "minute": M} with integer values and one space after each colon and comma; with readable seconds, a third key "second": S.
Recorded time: {"hour": 3, "minute": 22}
